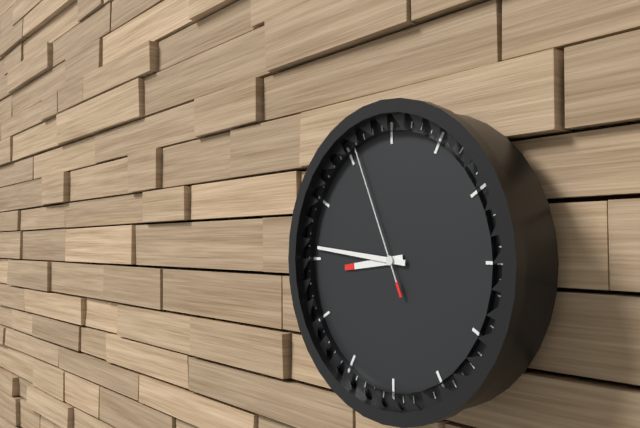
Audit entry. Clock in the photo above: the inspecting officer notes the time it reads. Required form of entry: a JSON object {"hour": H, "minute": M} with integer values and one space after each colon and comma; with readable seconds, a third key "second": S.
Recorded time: {"hour": 8, "minute": 46, "second": 56}
